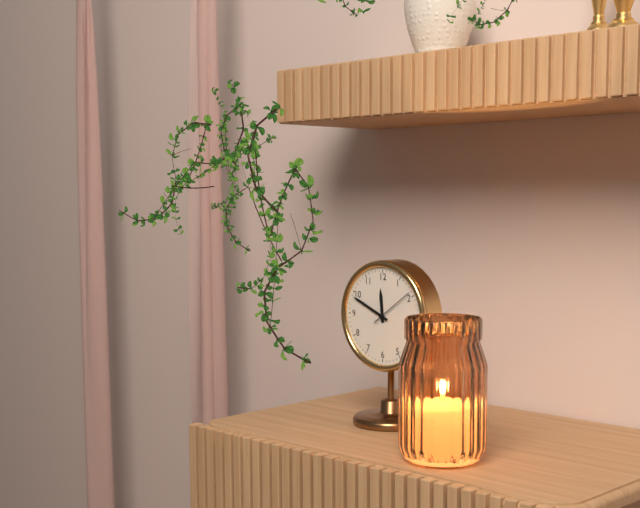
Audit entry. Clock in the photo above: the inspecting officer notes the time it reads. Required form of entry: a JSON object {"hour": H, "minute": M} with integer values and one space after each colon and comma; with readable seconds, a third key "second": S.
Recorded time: {"hour": 11, "minute": 49}
